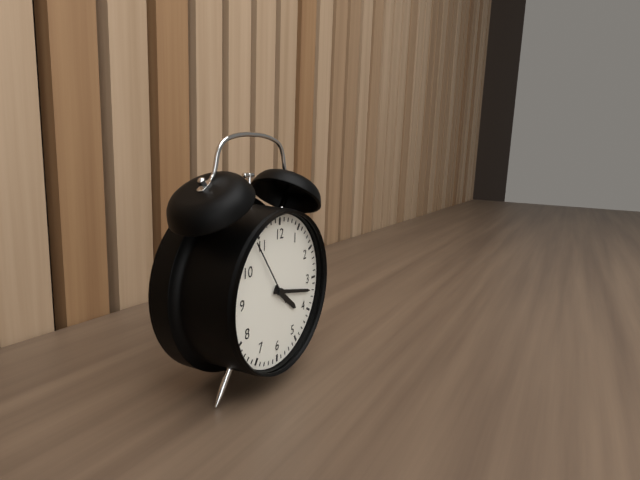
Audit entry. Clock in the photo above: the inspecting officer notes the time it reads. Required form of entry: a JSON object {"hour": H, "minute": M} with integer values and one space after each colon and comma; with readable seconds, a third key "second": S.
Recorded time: {"hour": 4, "minute": 17, "second": 54}
